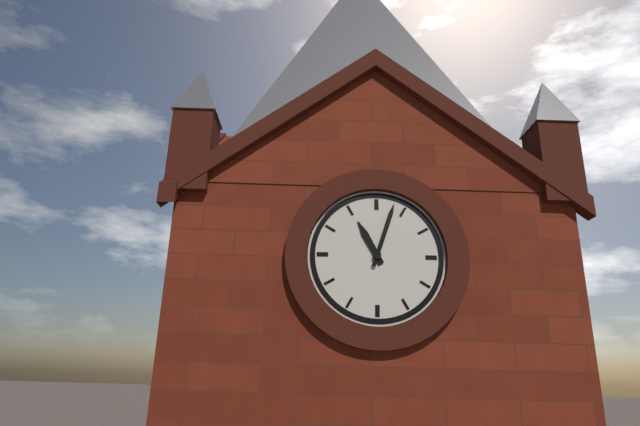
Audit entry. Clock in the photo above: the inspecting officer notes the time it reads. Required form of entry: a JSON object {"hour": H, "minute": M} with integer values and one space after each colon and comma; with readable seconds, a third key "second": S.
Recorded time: {"hour": 11, "minute": 3}
